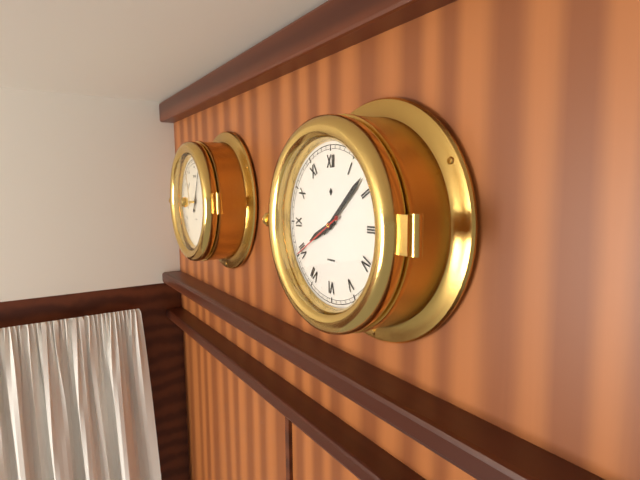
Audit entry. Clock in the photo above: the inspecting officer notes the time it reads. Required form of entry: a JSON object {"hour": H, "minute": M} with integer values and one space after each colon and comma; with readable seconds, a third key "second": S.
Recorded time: {"hour": 8, "minute": 8, "second": 40}
